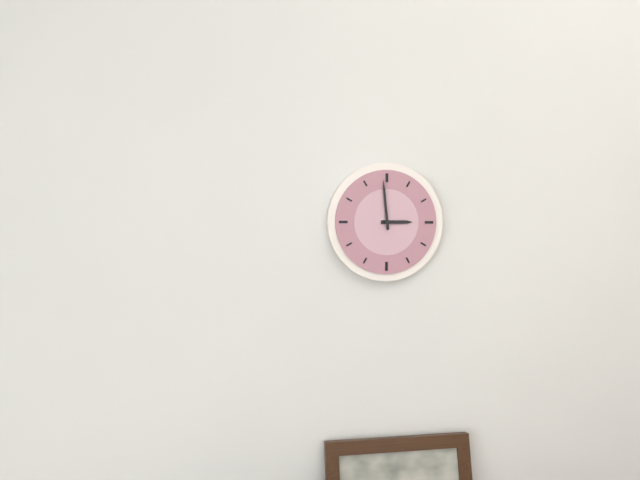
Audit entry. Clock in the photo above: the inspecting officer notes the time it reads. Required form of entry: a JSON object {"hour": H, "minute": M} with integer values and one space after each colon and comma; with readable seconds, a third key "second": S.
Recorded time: {"hour": 2, "minute": 59}
